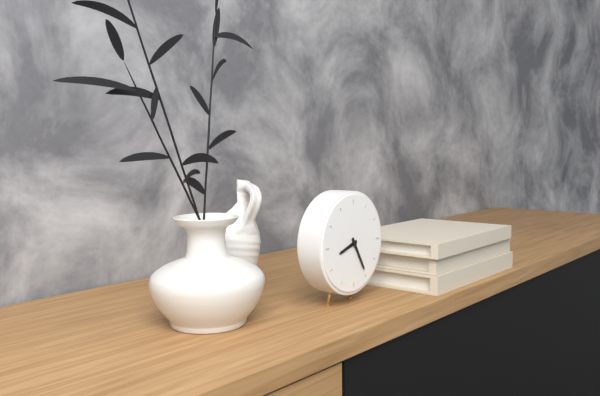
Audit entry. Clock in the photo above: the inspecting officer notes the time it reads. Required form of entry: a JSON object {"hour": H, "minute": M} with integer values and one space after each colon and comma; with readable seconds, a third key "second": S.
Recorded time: {"hour": 8, "minute": 25}
